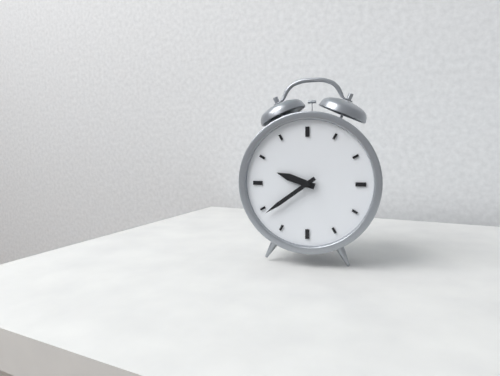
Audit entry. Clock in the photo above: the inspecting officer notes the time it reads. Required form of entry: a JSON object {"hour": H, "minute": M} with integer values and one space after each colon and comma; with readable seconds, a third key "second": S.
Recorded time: {"hour": 9, "minute": 39}
